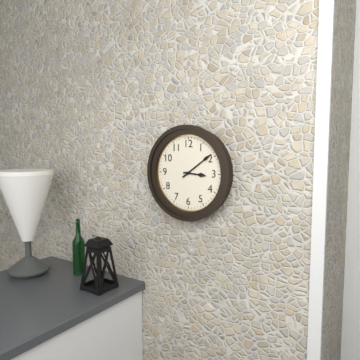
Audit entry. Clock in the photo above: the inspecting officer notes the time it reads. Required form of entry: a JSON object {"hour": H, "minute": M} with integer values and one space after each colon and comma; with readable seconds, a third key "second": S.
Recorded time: {"hour": 3, "minute": 9}
